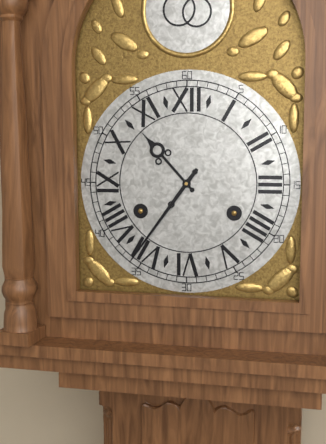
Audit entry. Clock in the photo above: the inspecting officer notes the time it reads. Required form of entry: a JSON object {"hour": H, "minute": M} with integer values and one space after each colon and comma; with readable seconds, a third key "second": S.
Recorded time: {"hour": 10, "minute": 36}
